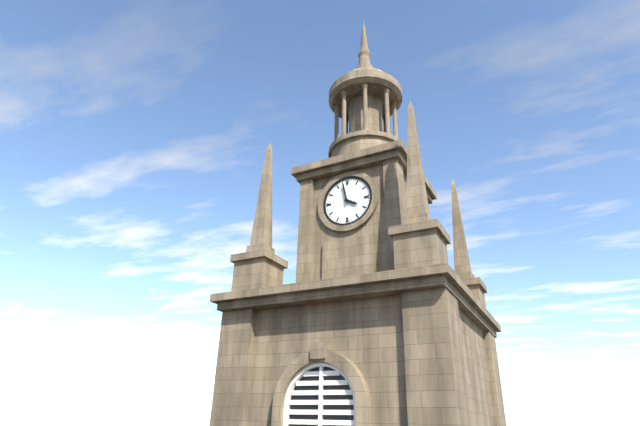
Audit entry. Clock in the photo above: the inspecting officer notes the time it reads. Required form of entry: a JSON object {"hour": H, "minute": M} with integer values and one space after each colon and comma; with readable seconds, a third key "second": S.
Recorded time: {"hour": 3, "minute": 58}
